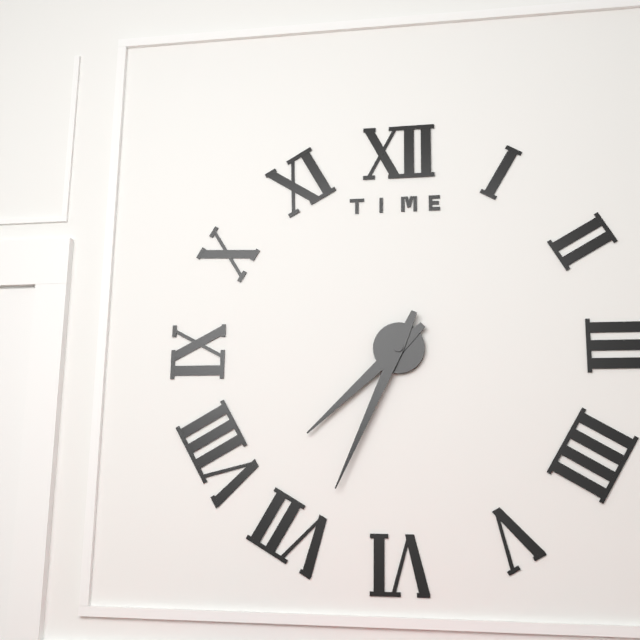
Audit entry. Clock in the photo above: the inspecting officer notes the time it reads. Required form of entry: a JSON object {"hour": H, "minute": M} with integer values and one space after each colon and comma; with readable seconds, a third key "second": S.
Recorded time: {"hour": 7, "minute": 34}
